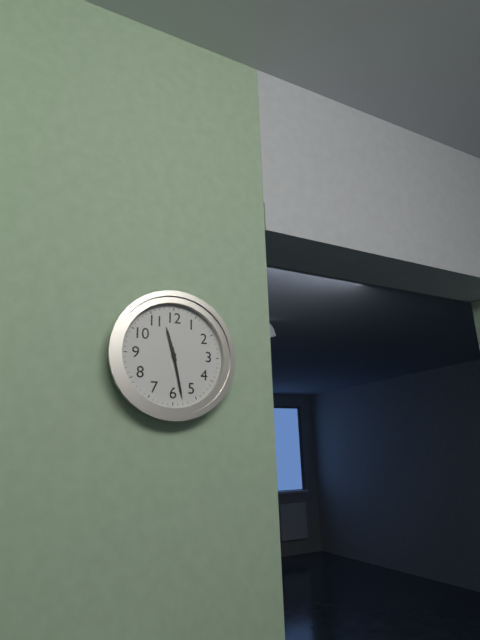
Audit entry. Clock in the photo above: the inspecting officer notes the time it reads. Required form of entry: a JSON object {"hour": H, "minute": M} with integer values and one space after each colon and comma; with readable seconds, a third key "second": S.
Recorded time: {"hour": 11, "minute": 28}
